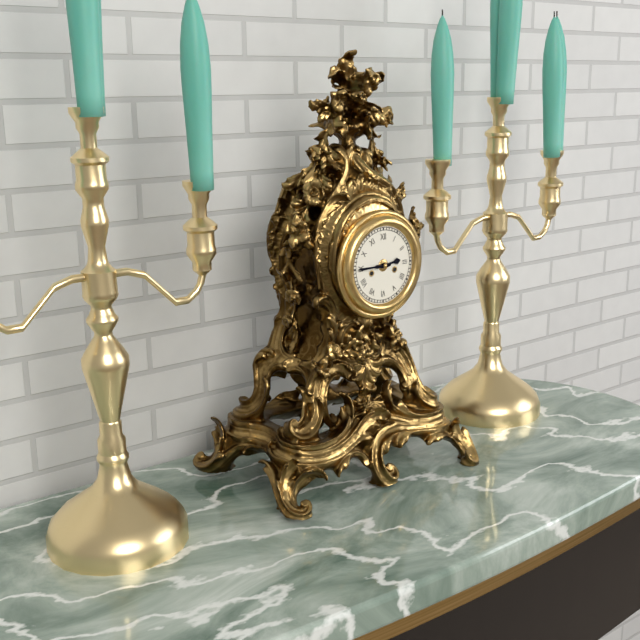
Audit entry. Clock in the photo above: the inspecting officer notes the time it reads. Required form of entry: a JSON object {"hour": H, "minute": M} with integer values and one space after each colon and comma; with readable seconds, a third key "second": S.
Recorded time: {"hour": 2, "minute": 45}
